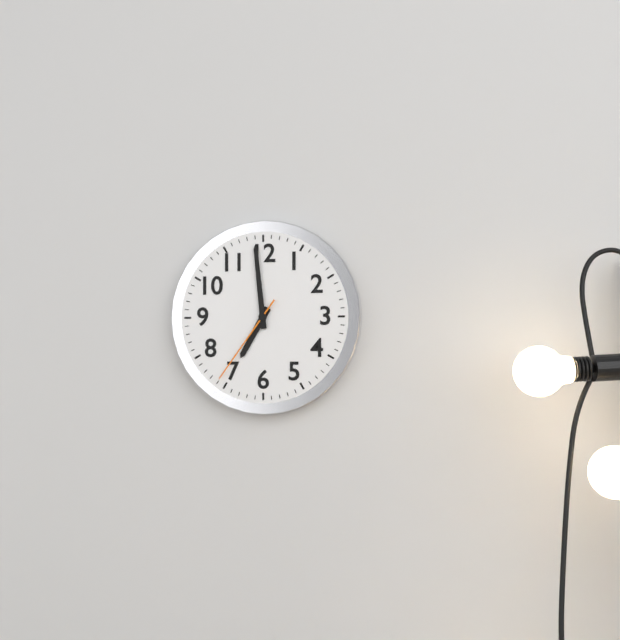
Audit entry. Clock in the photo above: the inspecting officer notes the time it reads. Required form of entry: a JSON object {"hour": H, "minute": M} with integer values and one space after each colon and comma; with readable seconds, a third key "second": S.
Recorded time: {"hour": 6, "minute": 59, "second": 36}
